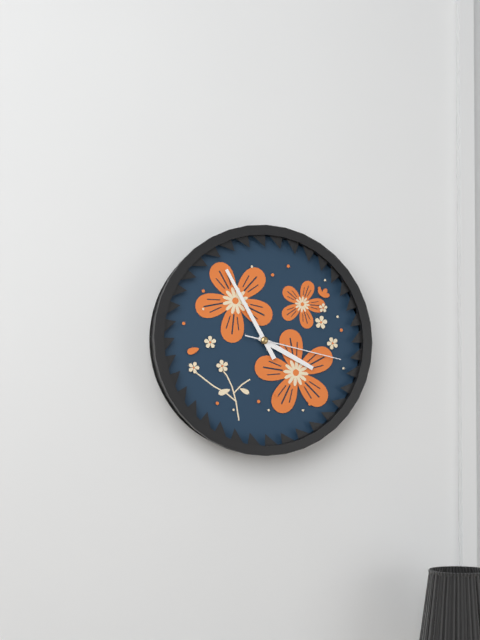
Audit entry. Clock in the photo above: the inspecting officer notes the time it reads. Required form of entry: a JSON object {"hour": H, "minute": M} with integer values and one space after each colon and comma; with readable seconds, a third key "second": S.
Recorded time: {"hour": 3, "minute": 55, "second": 17}
